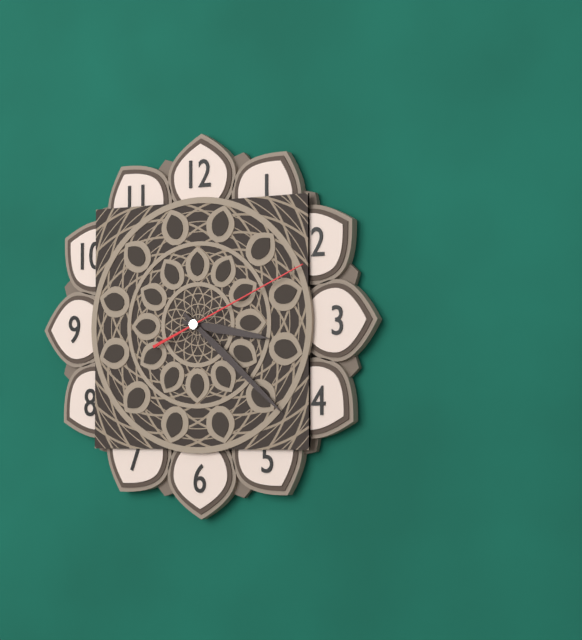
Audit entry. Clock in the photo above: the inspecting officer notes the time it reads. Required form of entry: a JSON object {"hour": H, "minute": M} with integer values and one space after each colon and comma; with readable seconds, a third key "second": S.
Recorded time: {"hour": 3, "minute": 22, "second": 11}
